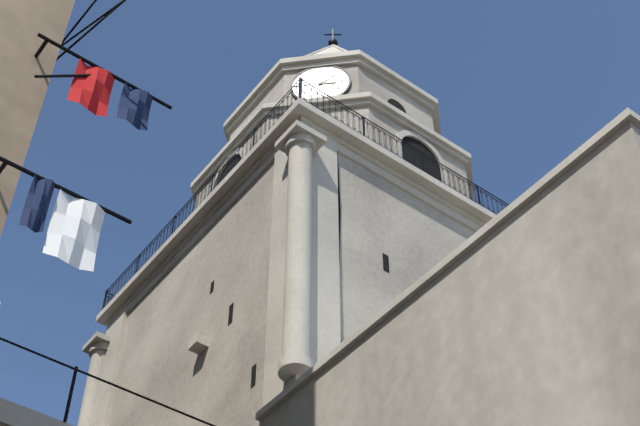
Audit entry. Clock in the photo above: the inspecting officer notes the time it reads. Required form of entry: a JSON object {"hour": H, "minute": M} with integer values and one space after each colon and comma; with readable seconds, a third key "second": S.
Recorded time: {"hour": 3, "minute": 8}
